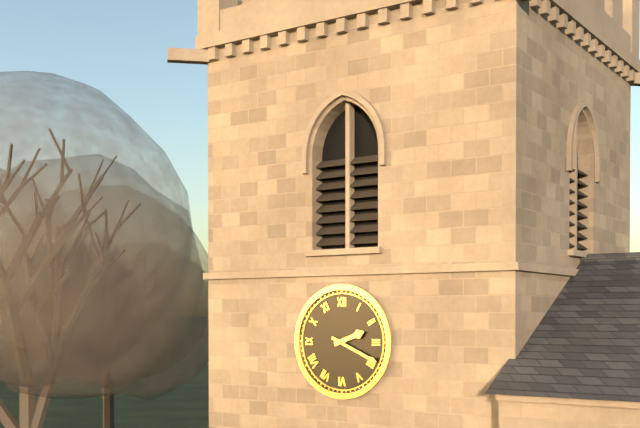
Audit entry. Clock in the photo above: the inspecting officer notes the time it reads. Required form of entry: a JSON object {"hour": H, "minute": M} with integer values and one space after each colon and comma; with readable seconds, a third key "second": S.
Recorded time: {"hour": 2, "minute": 19}
